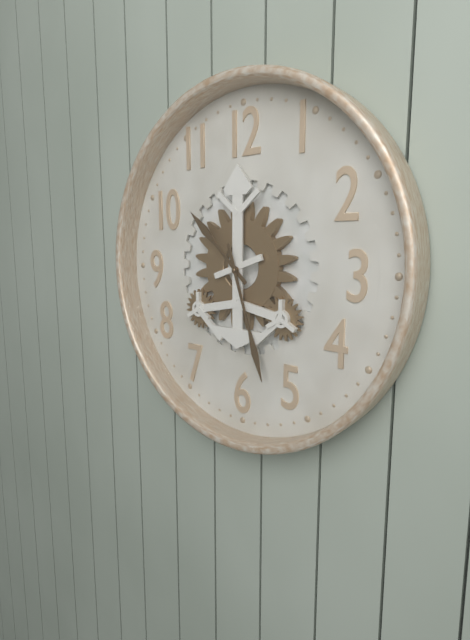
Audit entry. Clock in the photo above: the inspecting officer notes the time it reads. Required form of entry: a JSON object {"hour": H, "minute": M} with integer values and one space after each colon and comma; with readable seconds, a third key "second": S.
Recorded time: {"hour": 10, "minute": 27}
